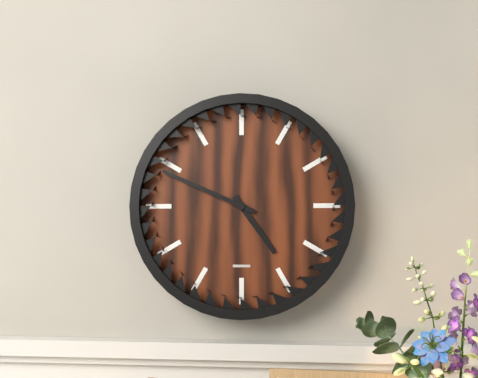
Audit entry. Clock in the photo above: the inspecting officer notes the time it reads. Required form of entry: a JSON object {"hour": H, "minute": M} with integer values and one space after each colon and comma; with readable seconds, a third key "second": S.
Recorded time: {"hour": 4, "minute": 49}
